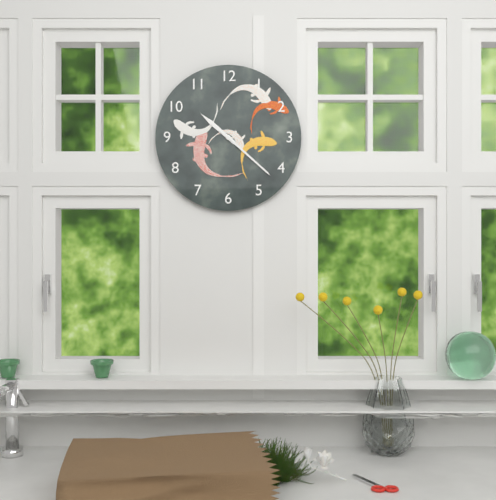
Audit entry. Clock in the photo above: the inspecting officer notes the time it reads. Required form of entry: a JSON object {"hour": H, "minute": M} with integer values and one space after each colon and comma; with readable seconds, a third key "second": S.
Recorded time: {"hour": 10, "minute": 22}
